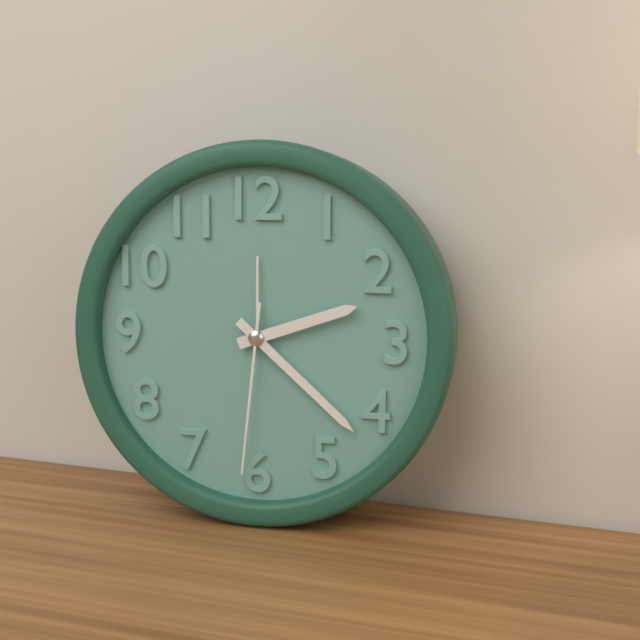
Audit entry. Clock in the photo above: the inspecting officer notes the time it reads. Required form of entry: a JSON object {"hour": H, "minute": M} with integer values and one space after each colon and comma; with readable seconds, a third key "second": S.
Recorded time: {"hour": 2, "minute": 22, "second": 31}
